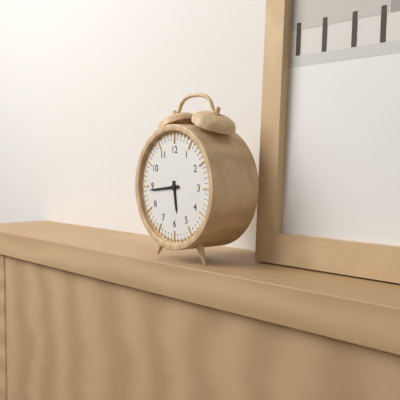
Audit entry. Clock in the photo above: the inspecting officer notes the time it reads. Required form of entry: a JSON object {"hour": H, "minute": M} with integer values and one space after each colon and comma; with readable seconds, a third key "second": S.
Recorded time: {"hour": 5, "minute": 44}
